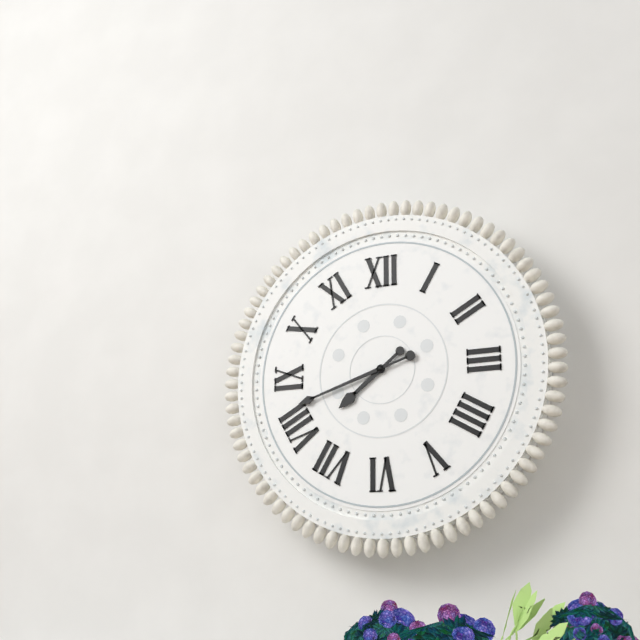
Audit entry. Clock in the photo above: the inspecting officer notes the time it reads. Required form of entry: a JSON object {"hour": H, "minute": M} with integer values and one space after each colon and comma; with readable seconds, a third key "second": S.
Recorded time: {"hour": 7, "minute": 42}
